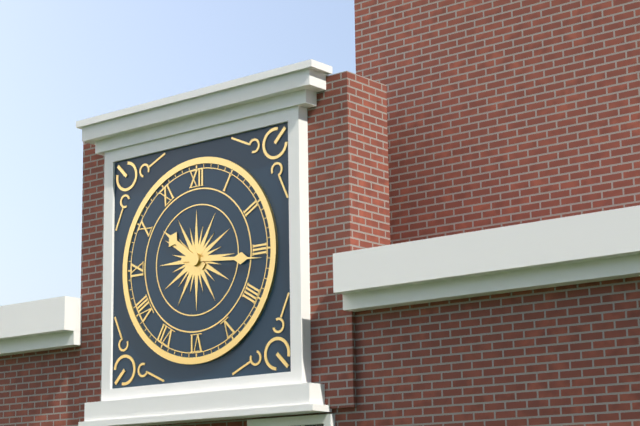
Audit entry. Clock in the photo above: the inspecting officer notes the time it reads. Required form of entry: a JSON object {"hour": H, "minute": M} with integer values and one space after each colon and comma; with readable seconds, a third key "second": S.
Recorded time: {"hour": 10, "minute": 16}
